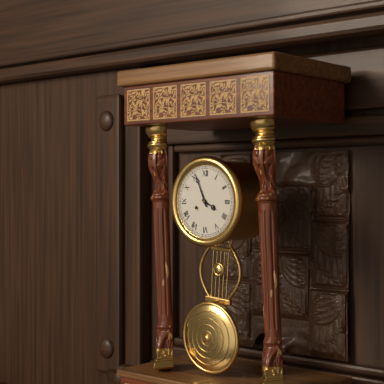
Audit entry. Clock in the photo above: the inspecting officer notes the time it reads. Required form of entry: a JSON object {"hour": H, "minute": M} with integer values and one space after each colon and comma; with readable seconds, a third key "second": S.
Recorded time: {"hour": 3, "minute": 56}
